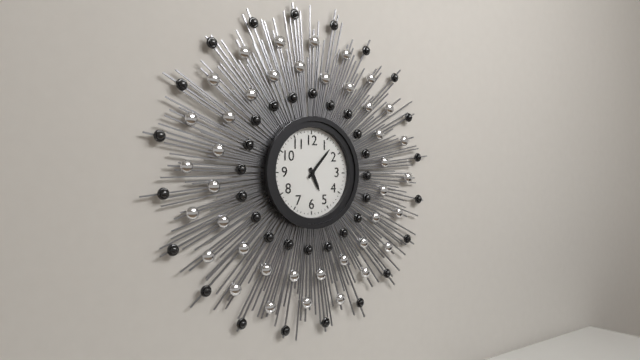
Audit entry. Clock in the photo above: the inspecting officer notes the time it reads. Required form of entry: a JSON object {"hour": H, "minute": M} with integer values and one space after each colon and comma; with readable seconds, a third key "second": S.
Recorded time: {"hour": 5, "minute": 7}
